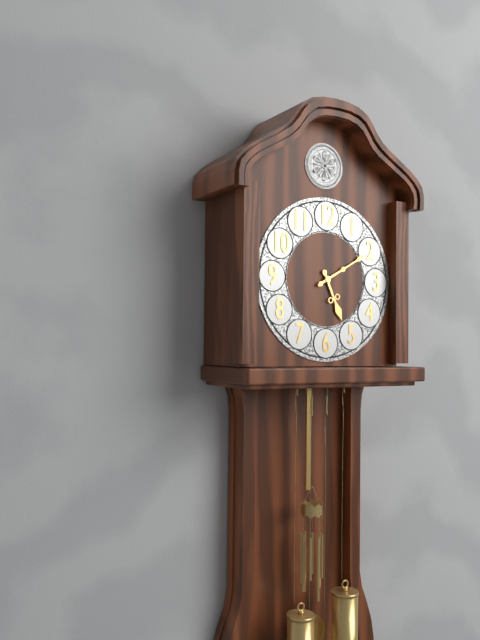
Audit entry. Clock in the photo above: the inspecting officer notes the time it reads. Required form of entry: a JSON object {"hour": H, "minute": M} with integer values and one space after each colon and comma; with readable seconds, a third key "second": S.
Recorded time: {"hour": 5, "minute": 10}
